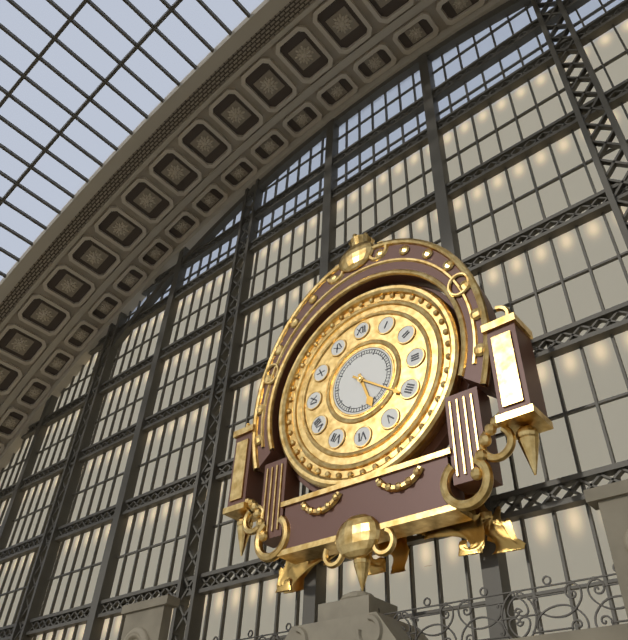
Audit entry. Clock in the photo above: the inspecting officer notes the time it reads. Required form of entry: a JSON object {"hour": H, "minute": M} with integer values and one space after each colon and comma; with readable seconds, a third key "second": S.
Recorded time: {"hour": 5, "minute": 21}
